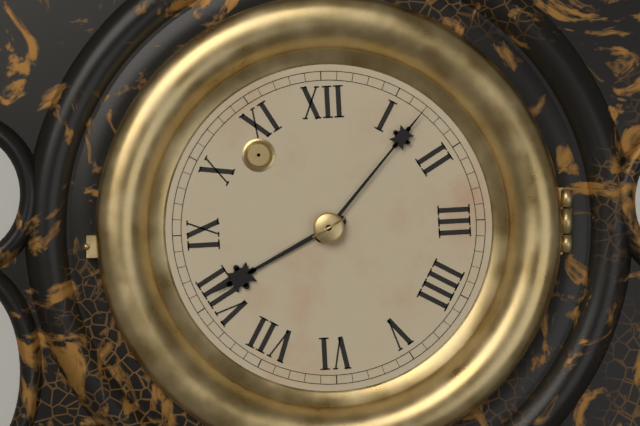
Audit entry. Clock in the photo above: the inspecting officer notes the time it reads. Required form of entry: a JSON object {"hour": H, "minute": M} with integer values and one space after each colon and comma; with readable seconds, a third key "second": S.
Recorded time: {"hour": 8, "minute": 7}
